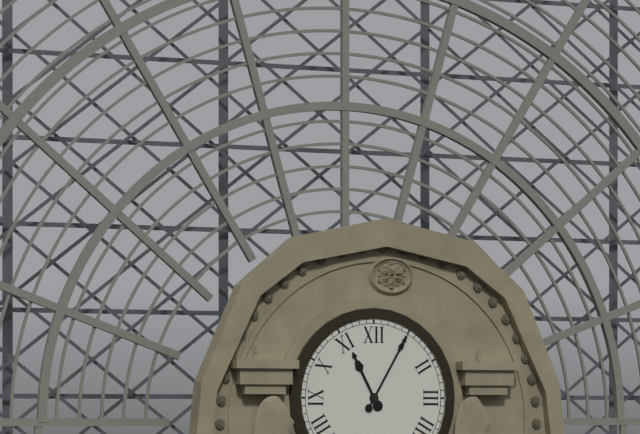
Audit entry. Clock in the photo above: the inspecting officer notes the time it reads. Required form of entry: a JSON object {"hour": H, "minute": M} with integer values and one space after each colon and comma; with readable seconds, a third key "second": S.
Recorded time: {"hour": 11, "minute": 5}
